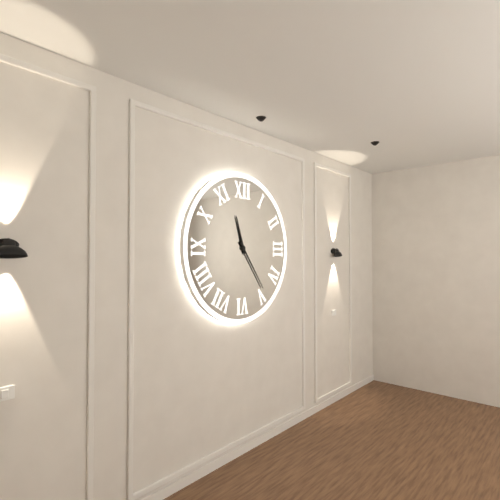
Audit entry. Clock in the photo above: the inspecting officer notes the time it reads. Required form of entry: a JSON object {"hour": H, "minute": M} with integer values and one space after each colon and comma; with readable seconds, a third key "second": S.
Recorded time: {"hour": 11, "minute": 24}
